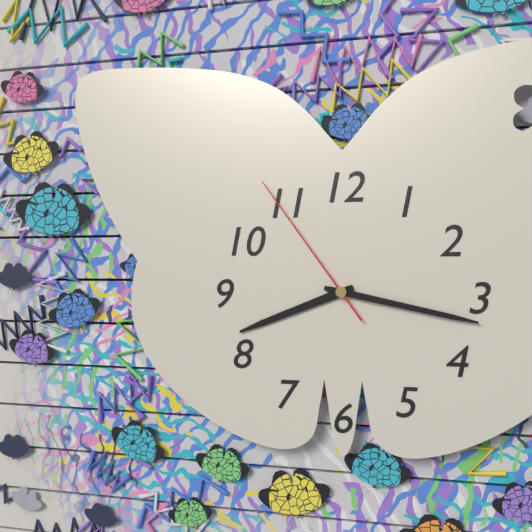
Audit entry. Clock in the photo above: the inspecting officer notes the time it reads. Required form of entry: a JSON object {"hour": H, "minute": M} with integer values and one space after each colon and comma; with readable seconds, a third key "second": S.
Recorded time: {"hour": 8, "minute": 17, "second": 54}
